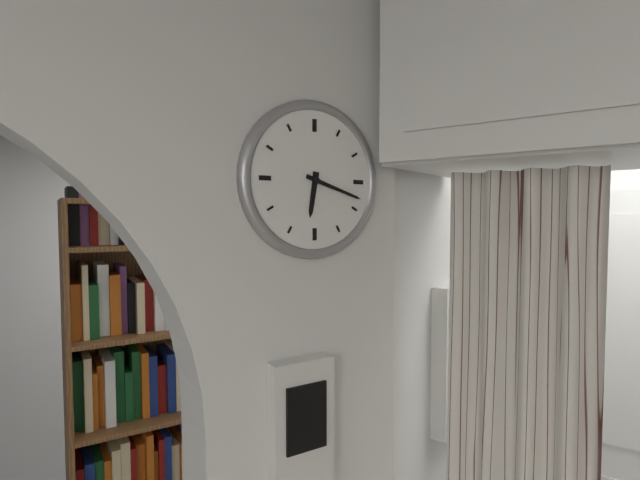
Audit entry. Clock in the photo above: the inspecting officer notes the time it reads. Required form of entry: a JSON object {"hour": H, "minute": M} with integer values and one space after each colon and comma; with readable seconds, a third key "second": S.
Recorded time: {"hour": 6, "minute": 18}
